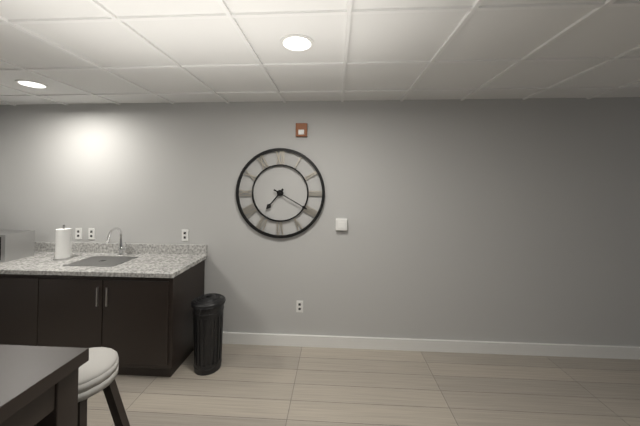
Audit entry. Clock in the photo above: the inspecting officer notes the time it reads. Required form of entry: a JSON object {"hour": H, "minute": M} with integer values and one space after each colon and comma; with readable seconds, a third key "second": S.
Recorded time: {"hour": 7, "minute": 20}
